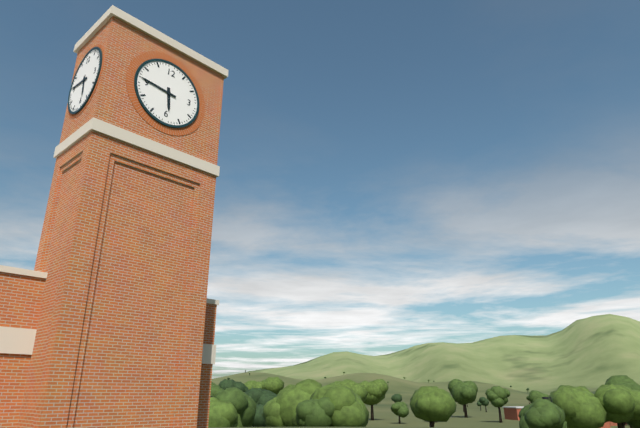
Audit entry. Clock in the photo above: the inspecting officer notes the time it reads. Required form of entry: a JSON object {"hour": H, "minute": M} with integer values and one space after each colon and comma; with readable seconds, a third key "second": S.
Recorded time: {"hour": 5, "minute": 46}
